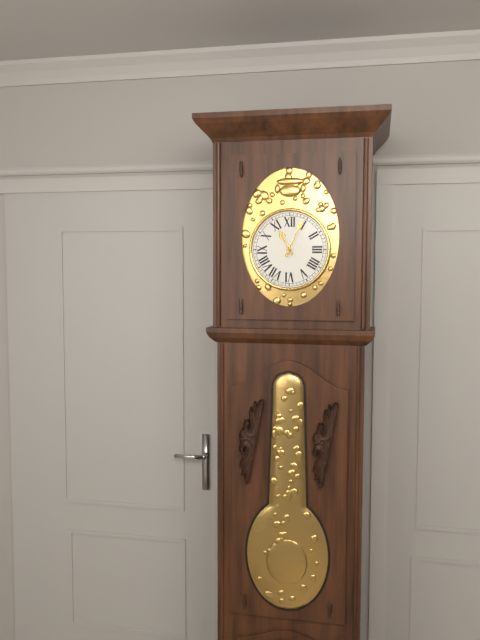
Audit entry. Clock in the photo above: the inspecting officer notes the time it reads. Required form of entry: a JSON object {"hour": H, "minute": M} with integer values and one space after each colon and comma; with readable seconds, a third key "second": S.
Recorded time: {"hour": 11, "minute": 4}
